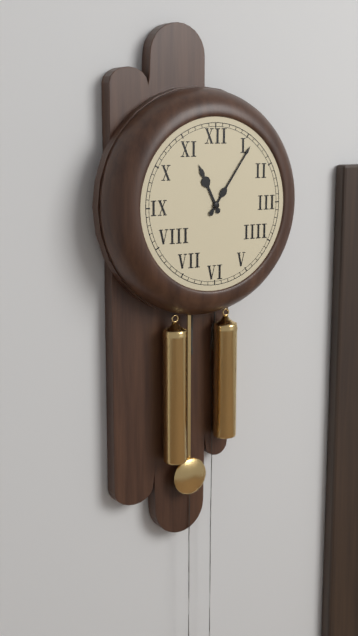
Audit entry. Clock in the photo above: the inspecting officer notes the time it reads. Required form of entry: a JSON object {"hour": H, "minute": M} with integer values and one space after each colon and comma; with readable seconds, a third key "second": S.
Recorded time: {"hour": 11, "minute": 6}
